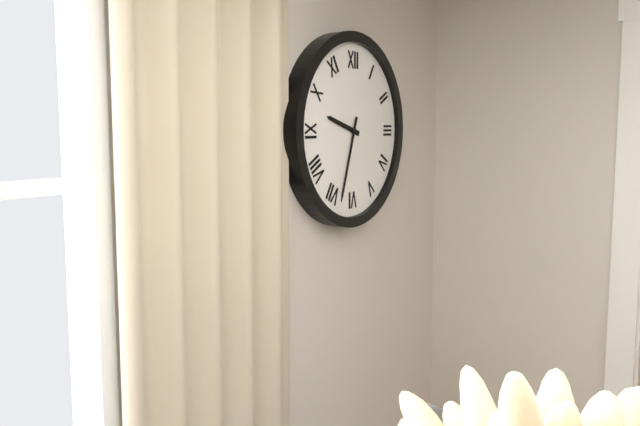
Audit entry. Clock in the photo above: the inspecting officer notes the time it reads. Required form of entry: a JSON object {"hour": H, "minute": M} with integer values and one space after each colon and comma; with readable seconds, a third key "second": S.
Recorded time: {"hour": 9, "minute": 33}
